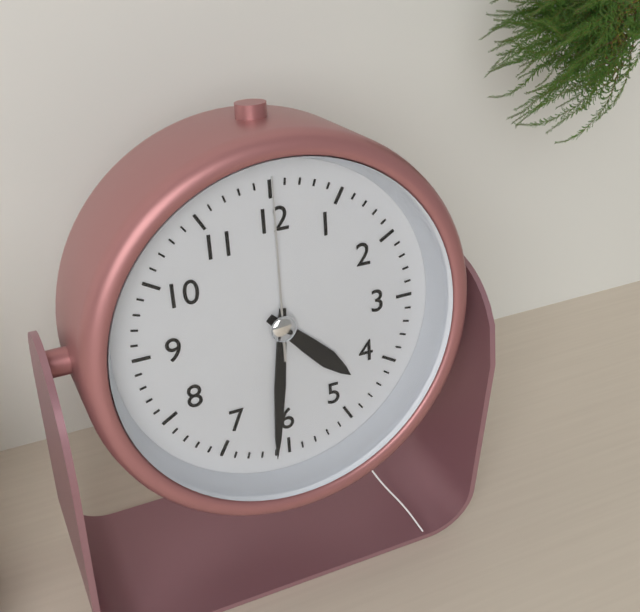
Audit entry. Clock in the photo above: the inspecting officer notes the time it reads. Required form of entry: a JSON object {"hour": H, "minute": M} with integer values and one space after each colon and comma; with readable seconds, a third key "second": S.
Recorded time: {"hour": 4, "minute": 31, "second": 0}
